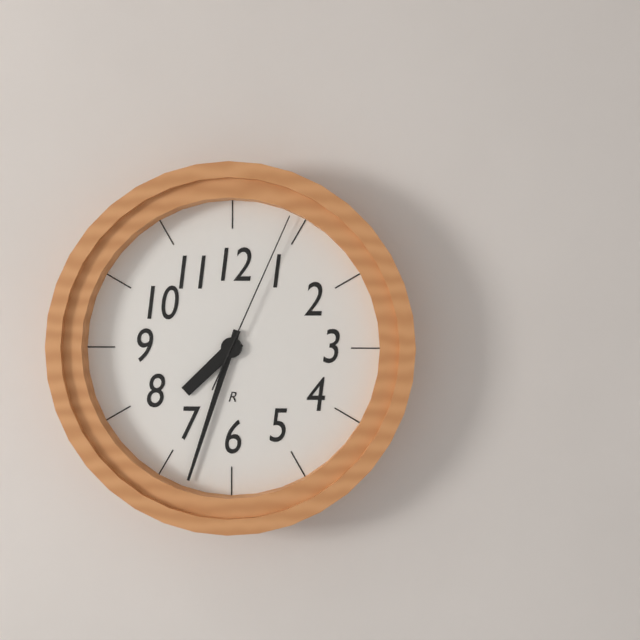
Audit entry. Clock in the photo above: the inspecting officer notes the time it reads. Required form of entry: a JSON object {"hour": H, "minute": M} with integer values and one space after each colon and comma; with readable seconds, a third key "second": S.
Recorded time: {"hour": 7, "minute": 33, "second": 4}
